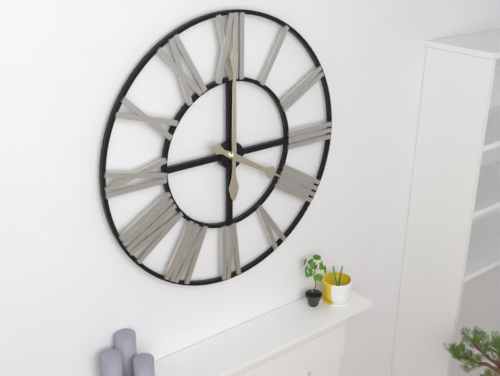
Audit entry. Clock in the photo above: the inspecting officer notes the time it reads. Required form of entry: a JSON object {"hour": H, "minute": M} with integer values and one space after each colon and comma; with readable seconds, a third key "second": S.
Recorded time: {"hour": 4, "minute": 0}
